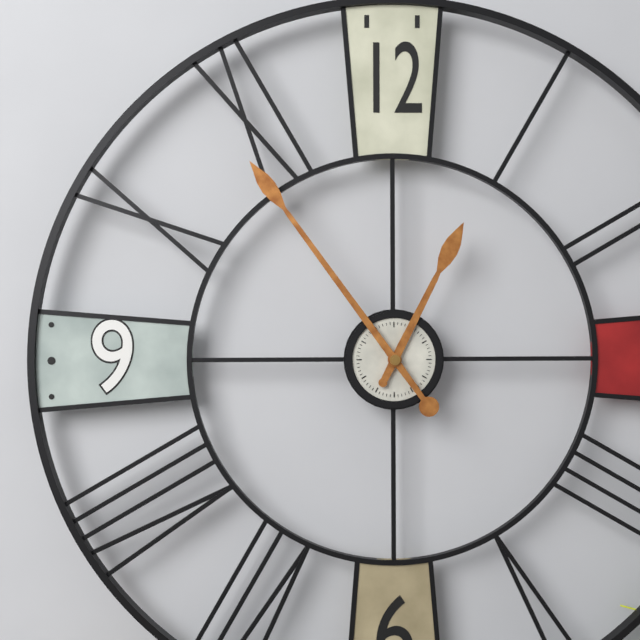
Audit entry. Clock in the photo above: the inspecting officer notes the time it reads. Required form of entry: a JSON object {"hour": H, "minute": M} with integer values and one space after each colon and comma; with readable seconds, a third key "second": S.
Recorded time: {"hour": 12, "minute": 54}
